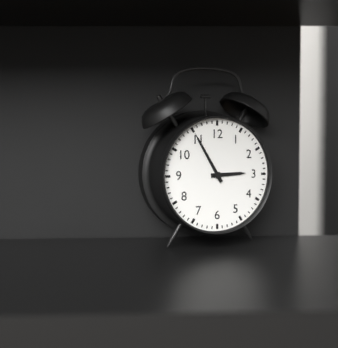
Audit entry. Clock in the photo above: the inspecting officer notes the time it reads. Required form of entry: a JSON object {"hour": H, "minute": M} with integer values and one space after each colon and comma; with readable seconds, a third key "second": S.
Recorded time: {"hour": 2, "minute": 55}
